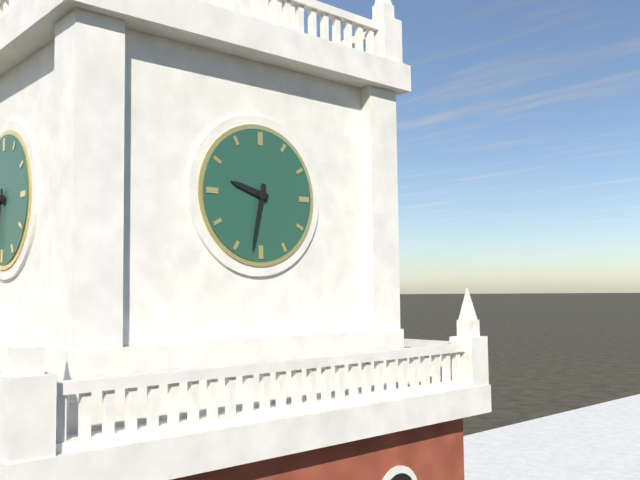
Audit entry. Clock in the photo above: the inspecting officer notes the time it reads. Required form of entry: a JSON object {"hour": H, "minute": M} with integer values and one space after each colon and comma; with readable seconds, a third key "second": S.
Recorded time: {"hour": 9, "minute": 32}
